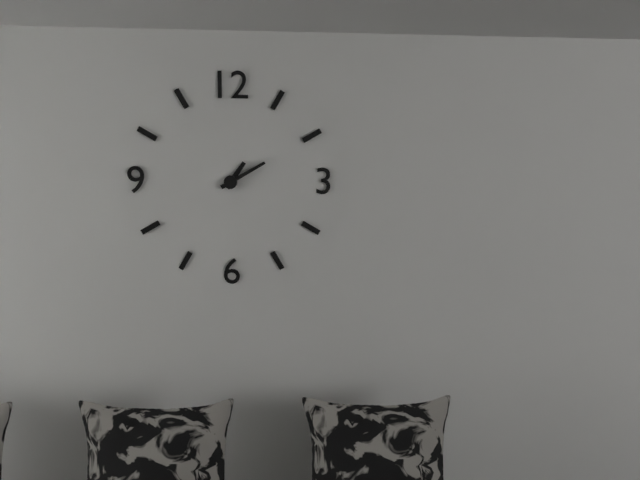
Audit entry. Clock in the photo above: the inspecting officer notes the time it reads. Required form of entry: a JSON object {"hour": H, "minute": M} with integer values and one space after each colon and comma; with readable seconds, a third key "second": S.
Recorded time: {"hour": 1, "minute": 10}
